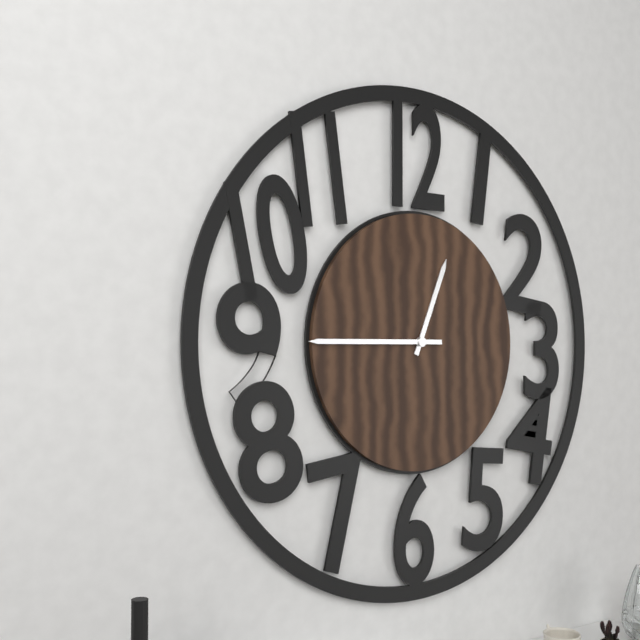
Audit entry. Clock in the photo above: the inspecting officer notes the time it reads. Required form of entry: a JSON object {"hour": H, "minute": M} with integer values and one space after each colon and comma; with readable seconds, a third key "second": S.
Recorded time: {"hour": 12, "minute": 45}
